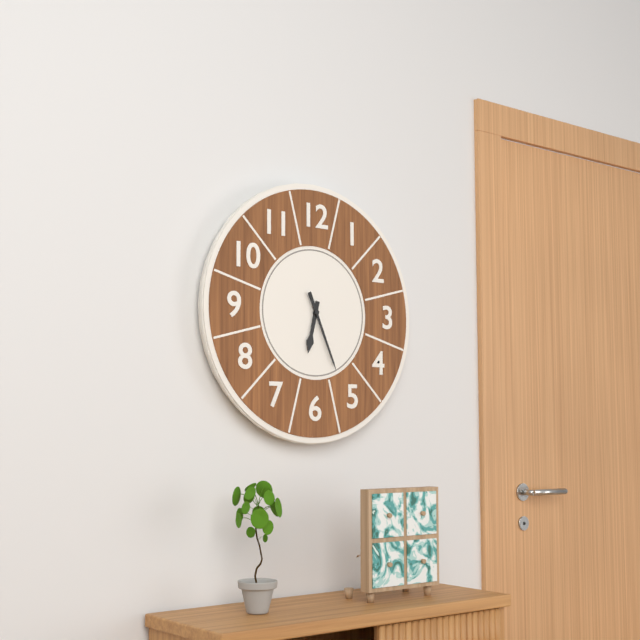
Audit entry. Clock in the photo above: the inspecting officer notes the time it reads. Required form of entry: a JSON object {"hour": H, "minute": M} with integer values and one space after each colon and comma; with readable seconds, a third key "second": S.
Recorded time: {"hour": 6, "minute": 26}
